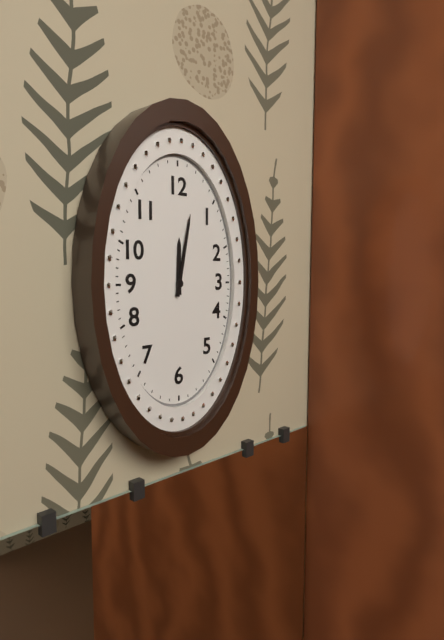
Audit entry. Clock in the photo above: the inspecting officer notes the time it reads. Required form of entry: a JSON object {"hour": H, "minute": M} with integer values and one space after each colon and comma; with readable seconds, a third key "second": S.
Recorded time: {"hour": 12, "minute": 2}
